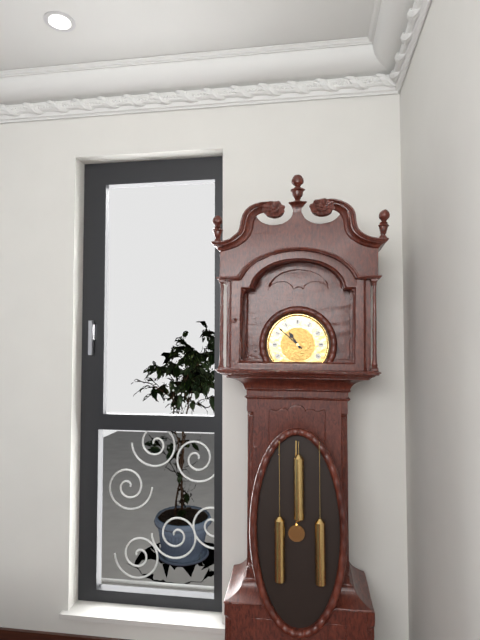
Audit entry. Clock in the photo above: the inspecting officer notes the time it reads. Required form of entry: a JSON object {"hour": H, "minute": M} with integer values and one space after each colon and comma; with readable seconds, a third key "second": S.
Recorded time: {"hour": 10, "minute": 52}
